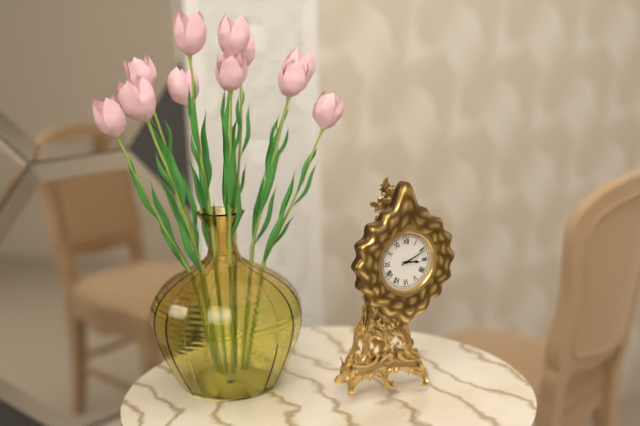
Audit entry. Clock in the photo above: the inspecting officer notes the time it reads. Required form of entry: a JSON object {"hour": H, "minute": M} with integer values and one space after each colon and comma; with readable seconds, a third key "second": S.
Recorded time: {"hour": 3, "minute": 11}
